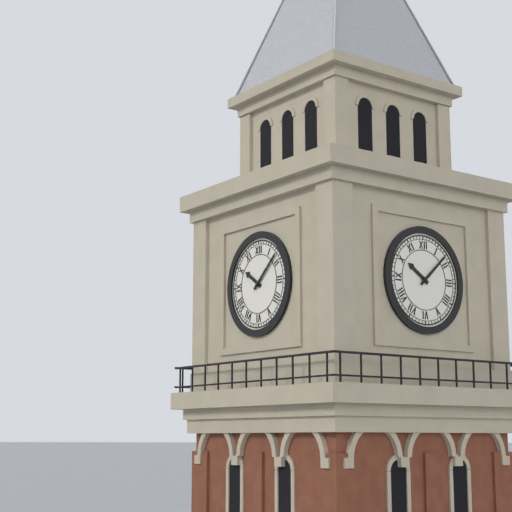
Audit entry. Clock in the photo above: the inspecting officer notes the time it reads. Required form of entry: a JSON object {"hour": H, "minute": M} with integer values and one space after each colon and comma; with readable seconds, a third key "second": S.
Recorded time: {"hour": 10, "minute": 8}
